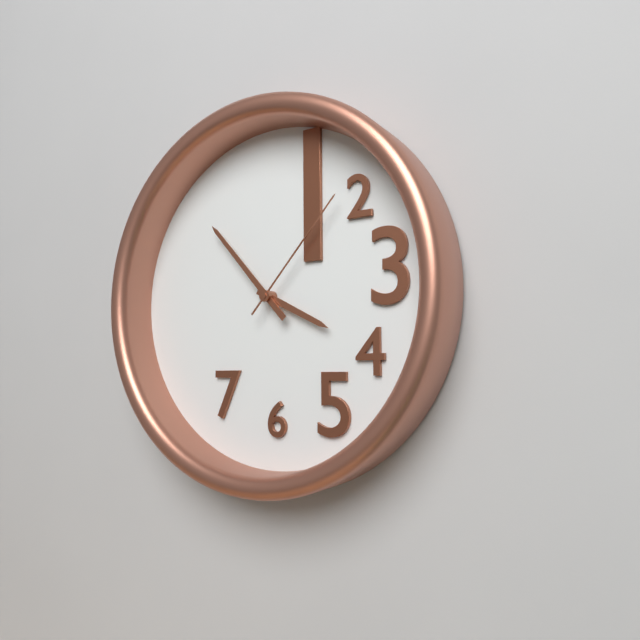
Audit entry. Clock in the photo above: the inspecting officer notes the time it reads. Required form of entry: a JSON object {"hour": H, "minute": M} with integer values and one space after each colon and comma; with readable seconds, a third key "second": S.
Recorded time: {"hour": 3, "minute": 53, "second": 7}
